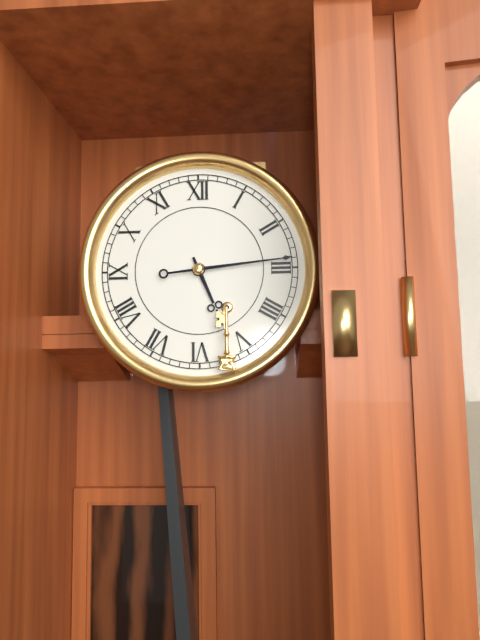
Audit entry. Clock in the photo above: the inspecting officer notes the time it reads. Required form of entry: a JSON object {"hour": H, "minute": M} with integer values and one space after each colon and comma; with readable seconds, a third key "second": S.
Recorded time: {"hour": 5, "minute": 14}
